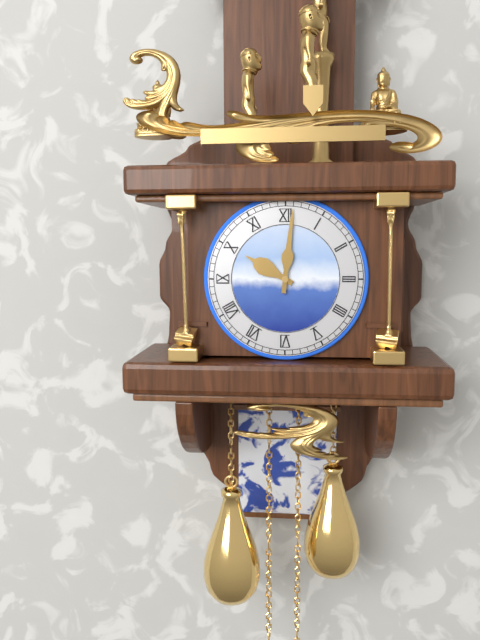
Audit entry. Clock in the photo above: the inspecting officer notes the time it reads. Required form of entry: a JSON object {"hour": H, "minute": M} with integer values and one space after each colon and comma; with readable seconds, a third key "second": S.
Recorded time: {"hour": 10, "minute": 1}
